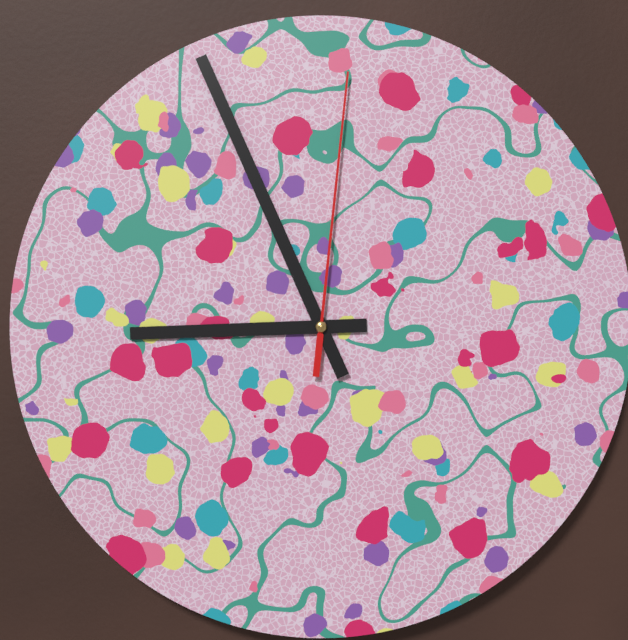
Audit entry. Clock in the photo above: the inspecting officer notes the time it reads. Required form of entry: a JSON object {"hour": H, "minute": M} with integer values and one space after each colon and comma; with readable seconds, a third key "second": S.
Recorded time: {"hour": 8, "minute": 56, "second": 1}
